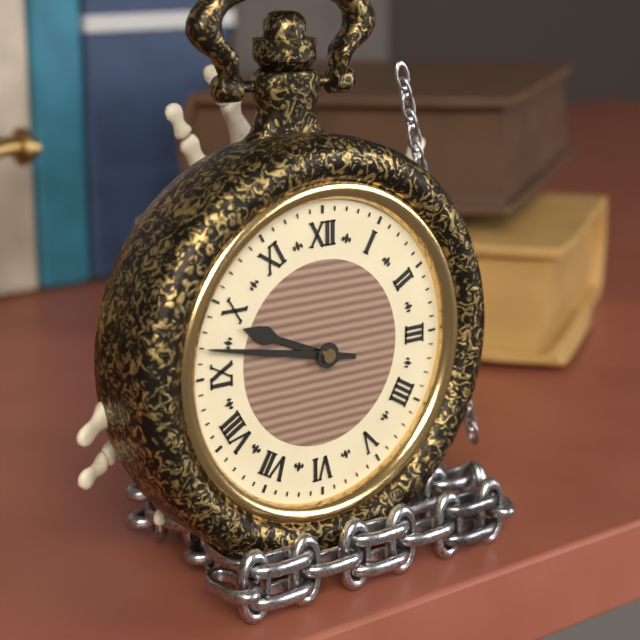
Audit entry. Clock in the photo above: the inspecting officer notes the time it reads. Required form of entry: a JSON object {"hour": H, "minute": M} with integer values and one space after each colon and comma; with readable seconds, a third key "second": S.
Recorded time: {"hour": 9, "minute": 47}
